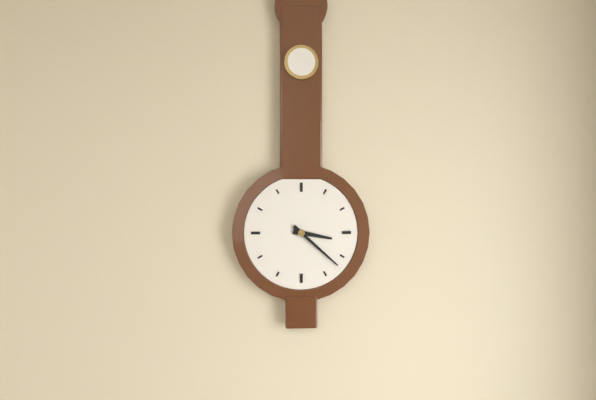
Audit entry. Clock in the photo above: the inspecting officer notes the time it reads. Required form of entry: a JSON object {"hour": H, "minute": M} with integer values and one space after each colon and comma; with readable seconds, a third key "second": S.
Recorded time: {"hour": 3, "minute": 22}
